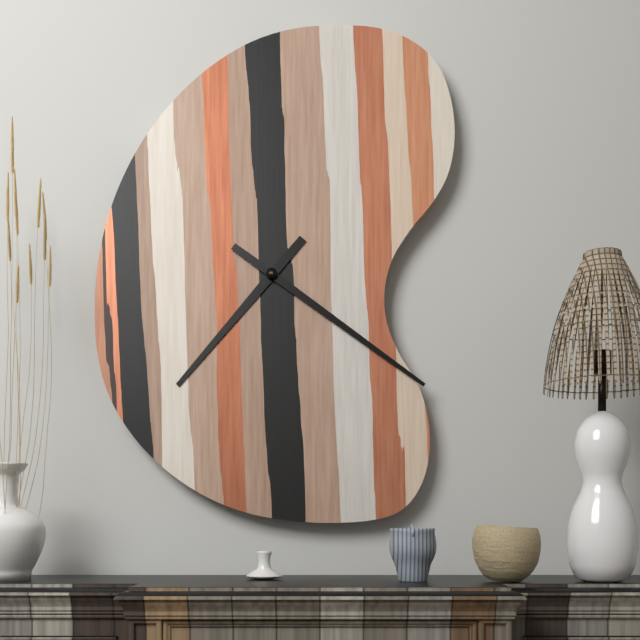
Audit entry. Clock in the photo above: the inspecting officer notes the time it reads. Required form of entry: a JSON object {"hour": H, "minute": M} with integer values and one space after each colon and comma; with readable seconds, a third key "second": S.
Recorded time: {"hour": 7, "minute": 21}
